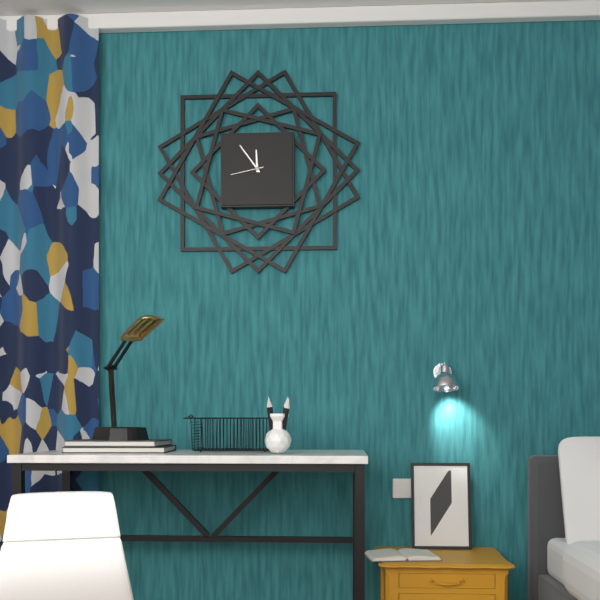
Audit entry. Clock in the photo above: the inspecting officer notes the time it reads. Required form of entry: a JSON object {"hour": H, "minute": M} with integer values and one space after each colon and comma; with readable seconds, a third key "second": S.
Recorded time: {"hour": 11, "minute": 54}
